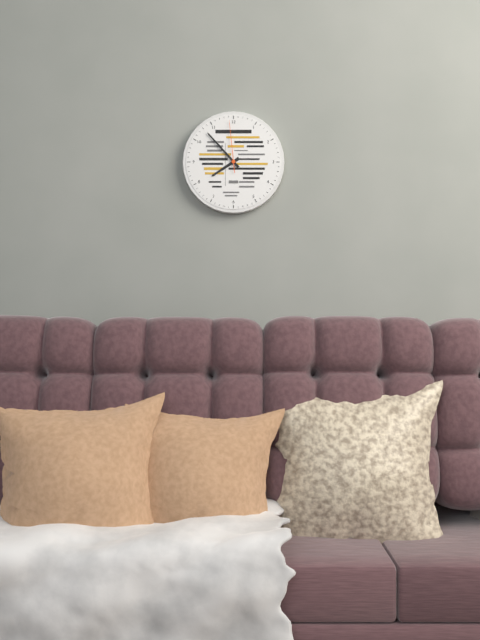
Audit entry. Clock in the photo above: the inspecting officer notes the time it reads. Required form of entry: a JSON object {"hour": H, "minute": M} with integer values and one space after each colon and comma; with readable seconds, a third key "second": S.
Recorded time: {"hour": 7, "minute": 53, "second": 59}
